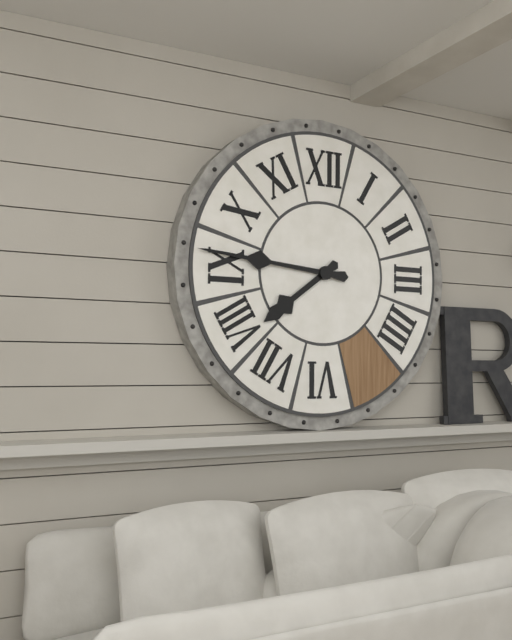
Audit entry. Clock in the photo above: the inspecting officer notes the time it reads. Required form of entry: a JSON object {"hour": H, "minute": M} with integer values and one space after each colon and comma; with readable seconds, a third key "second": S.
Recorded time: {"hour": 7, "minute": 46}
